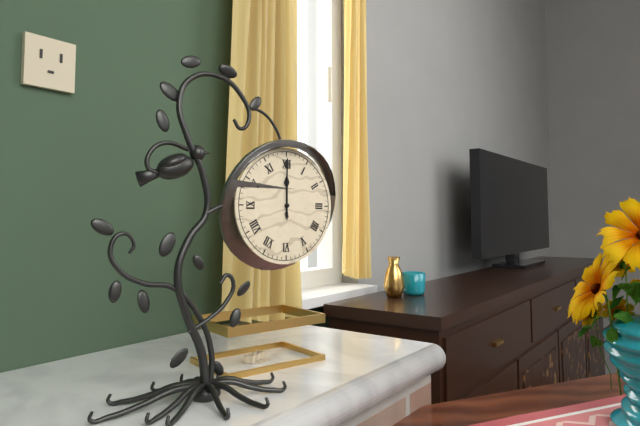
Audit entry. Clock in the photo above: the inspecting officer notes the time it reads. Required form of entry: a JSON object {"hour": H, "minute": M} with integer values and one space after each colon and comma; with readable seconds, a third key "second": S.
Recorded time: {"hour": 12, "minute": 0}
